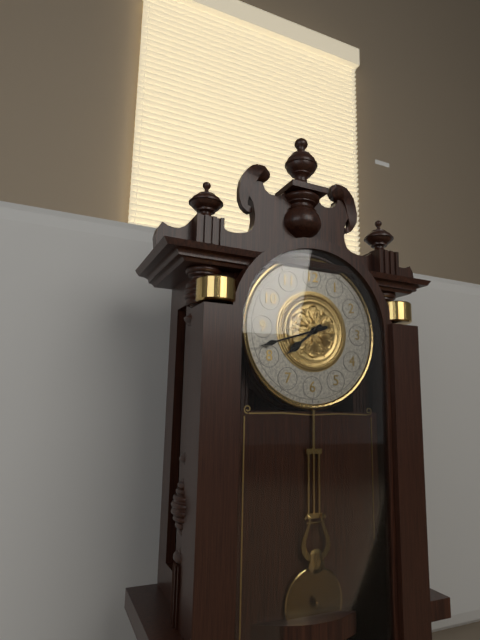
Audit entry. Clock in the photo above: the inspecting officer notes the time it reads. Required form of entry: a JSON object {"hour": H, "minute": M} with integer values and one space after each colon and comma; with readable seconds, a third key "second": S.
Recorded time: {"hour": 7, "minute": 42}
